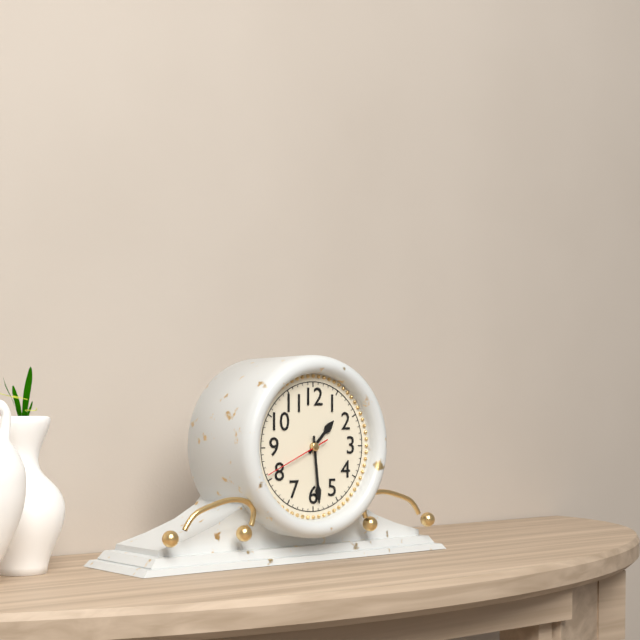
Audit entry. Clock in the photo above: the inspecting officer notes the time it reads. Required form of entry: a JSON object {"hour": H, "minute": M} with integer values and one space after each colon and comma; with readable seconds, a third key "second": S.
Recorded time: {"hour": 1, "minute": 29, "second": 41}
